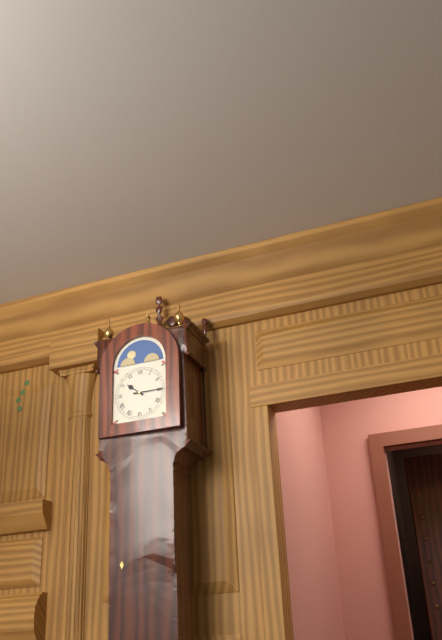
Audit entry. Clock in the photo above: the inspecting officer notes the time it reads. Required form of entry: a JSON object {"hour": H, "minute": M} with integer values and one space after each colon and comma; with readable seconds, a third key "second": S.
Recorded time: {"hour": 10, "minute": 15}
